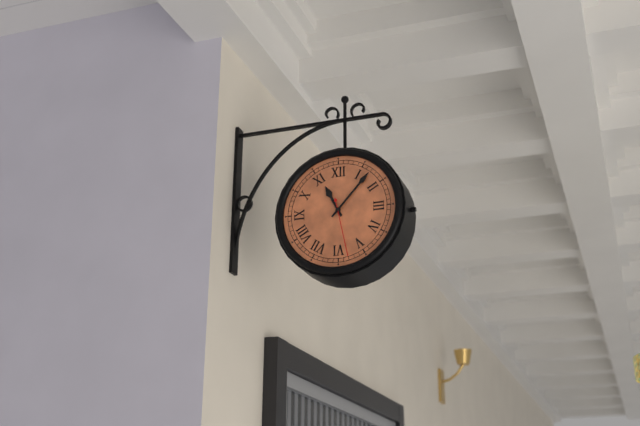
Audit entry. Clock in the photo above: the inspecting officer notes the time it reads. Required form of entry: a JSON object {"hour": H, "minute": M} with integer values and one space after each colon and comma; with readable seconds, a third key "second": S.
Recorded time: {"hour": 11, "minute": 7, "second": 28}
